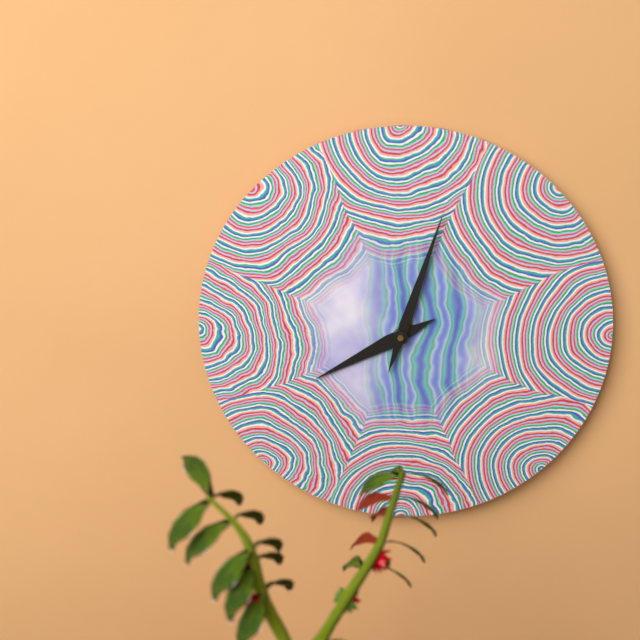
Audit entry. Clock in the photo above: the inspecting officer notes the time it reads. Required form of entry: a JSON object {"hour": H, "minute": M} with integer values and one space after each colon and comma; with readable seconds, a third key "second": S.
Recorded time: {"hour": 8, "minute": 3}
